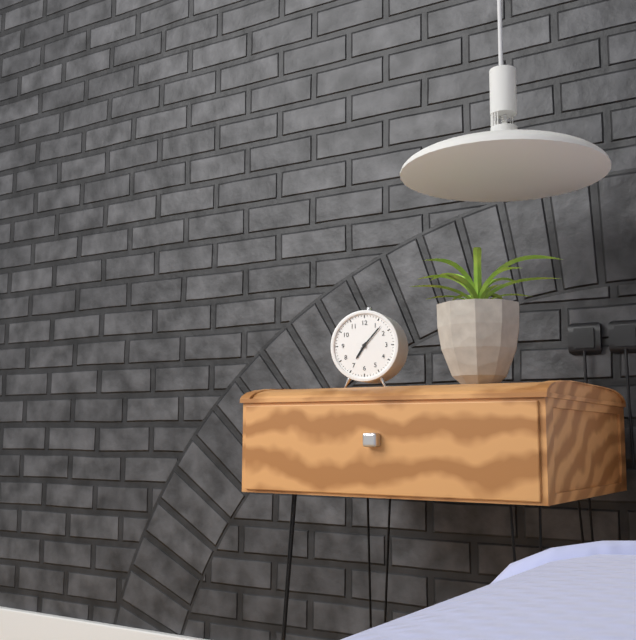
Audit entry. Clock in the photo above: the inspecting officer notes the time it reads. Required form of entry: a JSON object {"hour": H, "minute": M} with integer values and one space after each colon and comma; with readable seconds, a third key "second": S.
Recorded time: {"hour": 7, "minute": 7}
